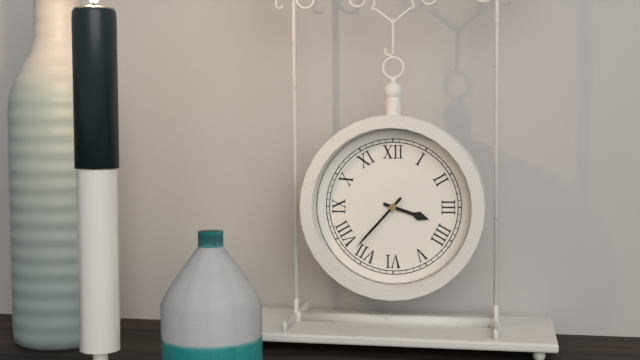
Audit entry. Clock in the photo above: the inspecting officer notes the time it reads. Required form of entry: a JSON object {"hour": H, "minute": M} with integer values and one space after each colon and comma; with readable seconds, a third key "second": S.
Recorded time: {"hour": 3, "minute": 37}
